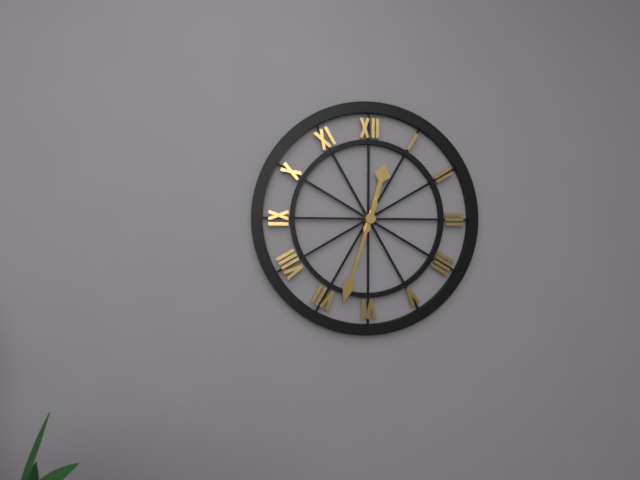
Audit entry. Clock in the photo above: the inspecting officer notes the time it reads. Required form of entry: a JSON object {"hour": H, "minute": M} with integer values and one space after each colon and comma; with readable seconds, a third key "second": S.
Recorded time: {"hour": 12, "minute": 33}
